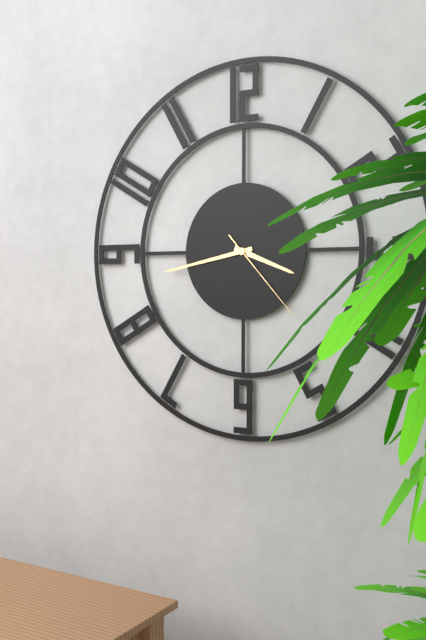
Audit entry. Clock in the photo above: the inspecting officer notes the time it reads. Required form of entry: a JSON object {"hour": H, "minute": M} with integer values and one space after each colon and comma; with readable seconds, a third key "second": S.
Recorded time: {"hour": 3, "minute": 43, "second": 23}
